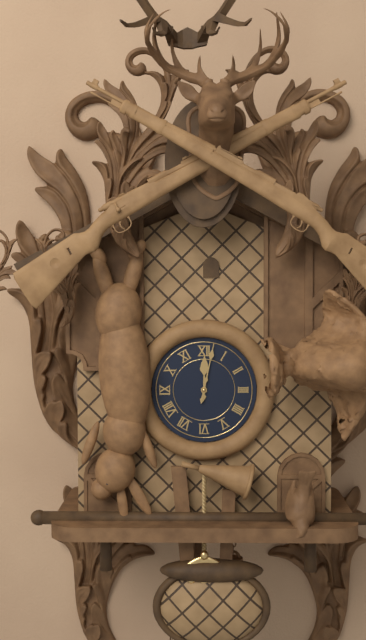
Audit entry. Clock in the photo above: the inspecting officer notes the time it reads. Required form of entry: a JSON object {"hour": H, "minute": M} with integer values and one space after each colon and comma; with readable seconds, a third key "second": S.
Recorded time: {"hour": 12, "minute": 2}
